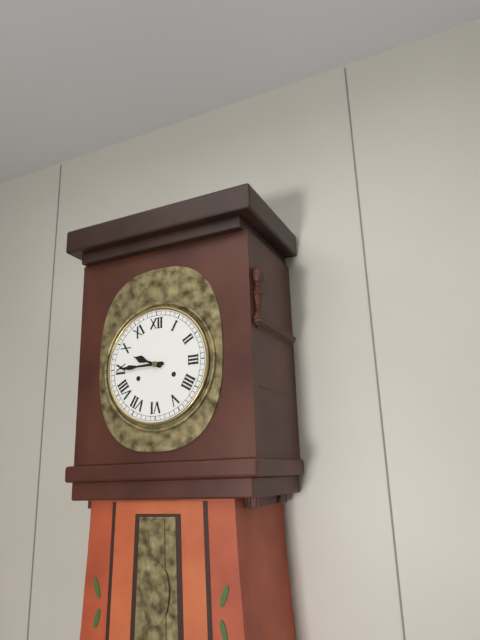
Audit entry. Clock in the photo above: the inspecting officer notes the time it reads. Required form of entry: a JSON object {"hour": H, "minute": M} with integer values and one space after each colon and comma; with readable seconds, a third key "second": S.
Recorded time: {"hour": 9, "minute": 45}
